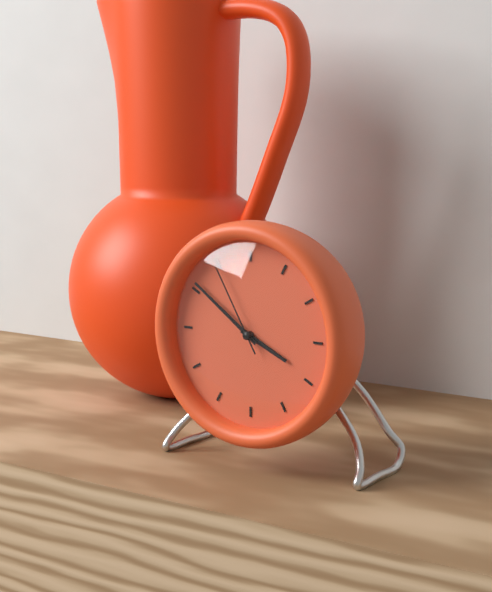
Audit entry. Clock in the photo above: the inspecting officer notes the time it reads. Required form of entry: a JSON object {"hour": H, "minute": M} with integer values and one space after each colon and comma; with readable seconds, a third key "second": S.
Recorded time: {"hour": 3, "minute": 51, "second": 55}
